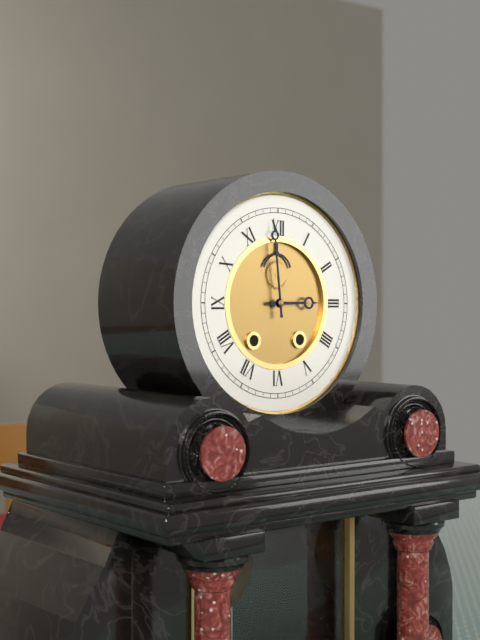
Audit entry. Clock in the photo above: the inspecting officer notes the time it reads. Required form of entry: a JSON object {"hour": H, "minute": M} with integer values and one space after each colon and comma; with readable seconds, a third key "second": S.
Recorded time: {"hour": 2, "minute": 59}
